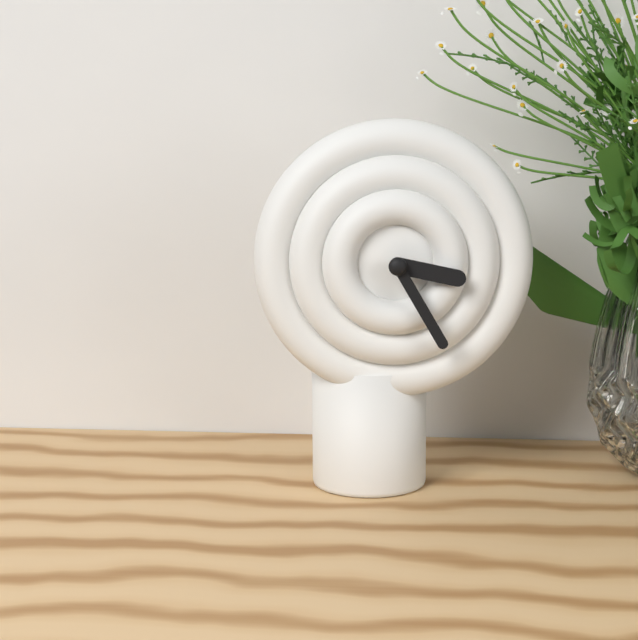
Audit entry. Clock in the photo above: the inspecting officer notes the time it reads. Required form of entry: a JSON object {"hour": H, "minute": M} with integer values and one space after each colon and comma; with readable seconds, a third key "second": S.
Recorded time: {"hour": 3, "minute": 25}
